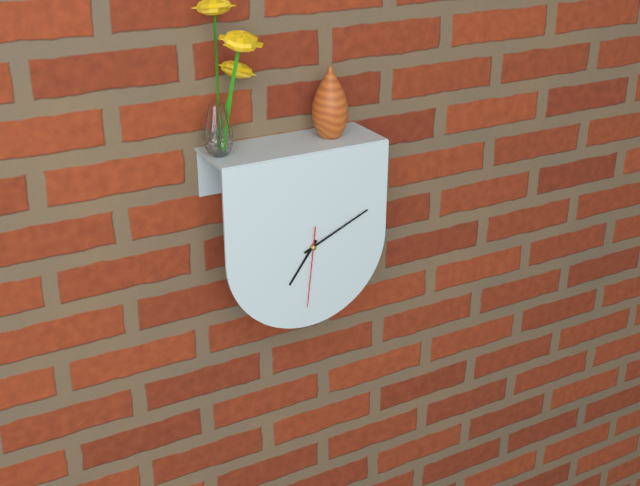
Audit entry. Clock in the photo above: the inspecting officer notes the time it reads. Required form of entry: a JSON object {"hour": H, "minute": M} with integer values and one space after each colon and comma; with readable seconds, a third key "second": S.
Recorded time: {"hour": 7, "minute": 11, "second": 31}
